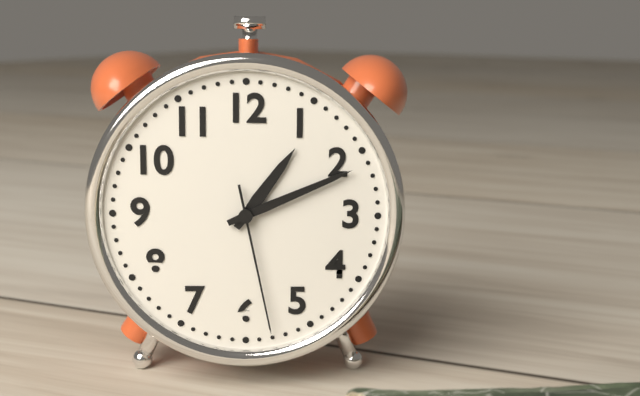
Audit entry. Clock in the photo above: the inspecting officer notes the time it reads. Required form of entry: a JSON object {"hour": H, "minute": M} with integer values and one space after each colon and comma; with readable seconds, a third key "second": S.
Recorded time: {"hour": 1, "minute": 11, "second": 28}
